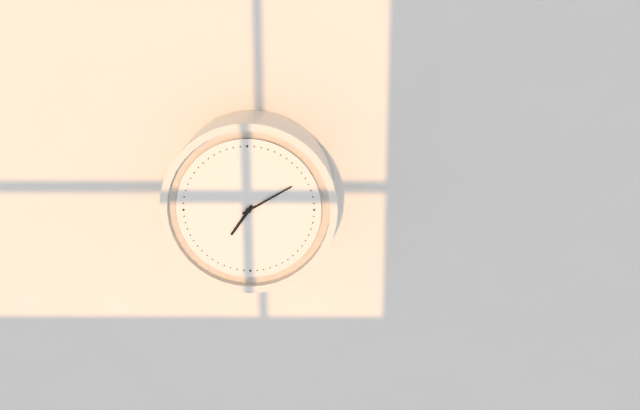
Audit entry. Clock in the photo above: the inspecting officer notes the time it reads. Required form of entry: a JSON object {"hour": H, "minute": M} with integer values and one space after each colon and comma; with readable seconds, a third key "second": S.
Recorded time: {"hour": 7, "minute": 10}
